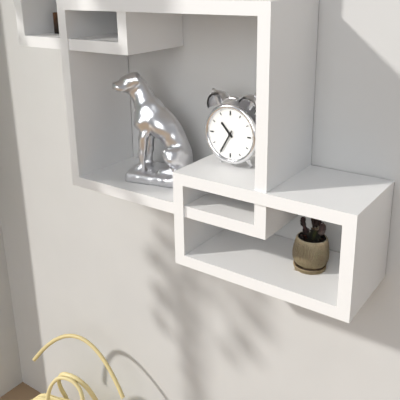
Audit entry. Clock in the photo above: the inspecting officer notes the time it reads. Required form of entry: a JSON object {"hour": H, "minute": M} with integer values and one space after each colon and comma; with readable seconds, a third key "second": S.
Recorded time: {"hour": 10, "minute": 35}
